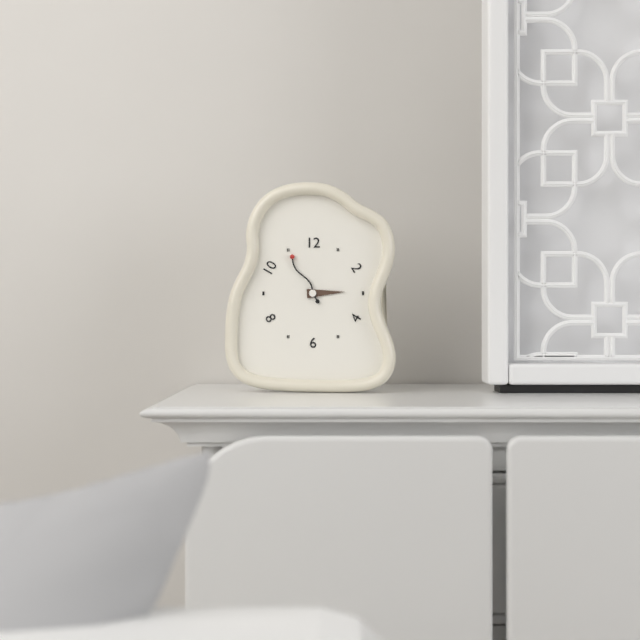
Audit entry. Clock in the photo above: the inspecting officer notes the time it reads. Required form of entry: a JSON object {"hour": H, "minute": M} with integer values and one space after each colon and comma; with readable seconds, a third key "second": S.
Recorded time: {"hour": 2, "minute": 55}
